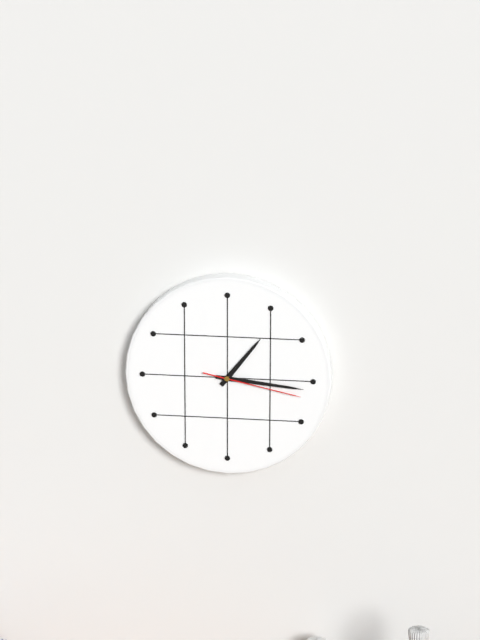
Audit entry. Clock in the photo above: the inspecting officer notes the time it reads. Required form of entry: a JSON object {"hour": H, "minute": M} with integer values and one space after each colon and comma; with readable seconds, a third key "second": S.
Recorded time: {"hour": 1, "minute": 16, "second": 17}
